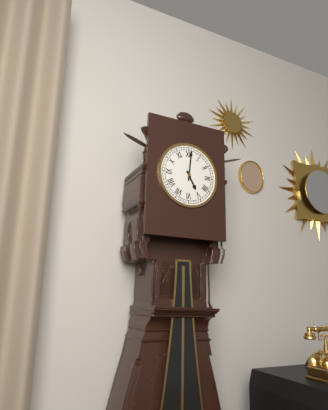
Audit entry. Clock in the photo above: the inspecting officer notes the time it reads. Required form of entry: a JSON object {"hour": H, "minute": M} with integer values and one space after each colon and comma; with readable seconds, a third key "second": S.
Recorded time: {"hour": 5, "minute": 1}
